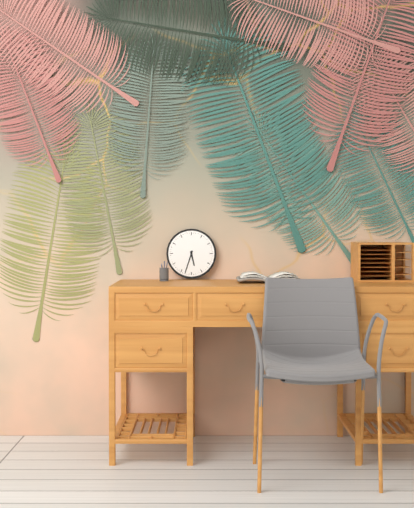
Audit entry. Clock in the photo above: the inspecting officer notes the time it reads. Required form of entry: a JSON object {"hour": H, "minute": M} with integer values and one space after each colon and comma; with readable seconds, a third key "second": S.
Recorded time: {"hour": 5, "minute": 33}
